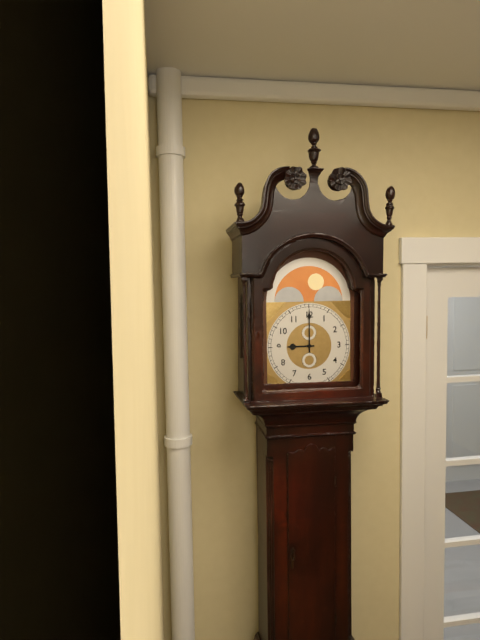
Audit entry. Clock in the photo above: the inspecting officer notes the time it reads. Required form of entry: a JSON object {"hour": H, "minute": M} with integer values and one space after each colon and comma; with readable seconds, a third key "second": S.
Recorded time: {"hour": 9, "minute": 0}
